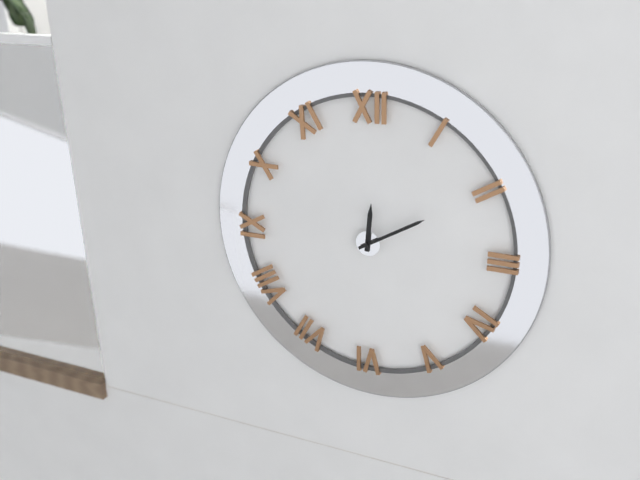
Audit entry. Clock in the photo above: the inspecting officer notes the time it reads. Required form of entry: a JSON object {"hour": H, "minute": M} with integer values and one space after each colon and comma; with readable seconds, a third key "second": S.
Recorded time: {"hour": 12, "minute": 10}
